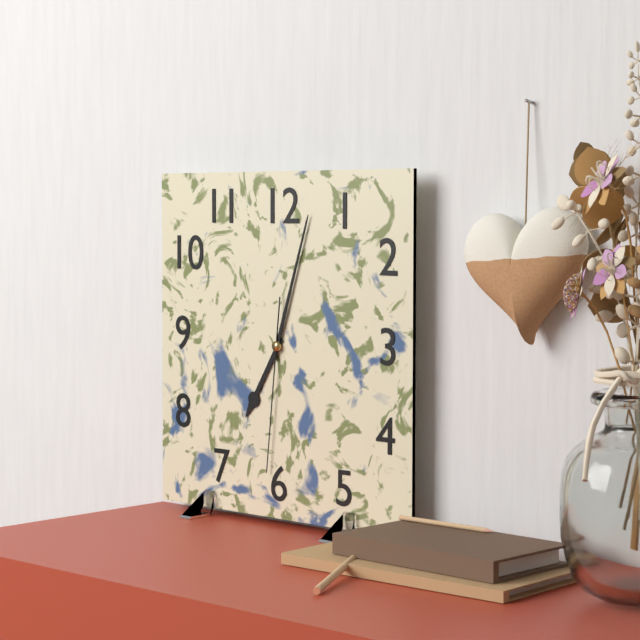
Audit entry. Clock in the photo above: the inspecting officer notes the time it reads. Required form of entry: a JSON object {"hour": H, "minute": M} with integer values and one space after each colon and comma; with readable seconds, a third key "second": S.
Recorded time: {"hour": 7, "minute": 3, "second": 31}
